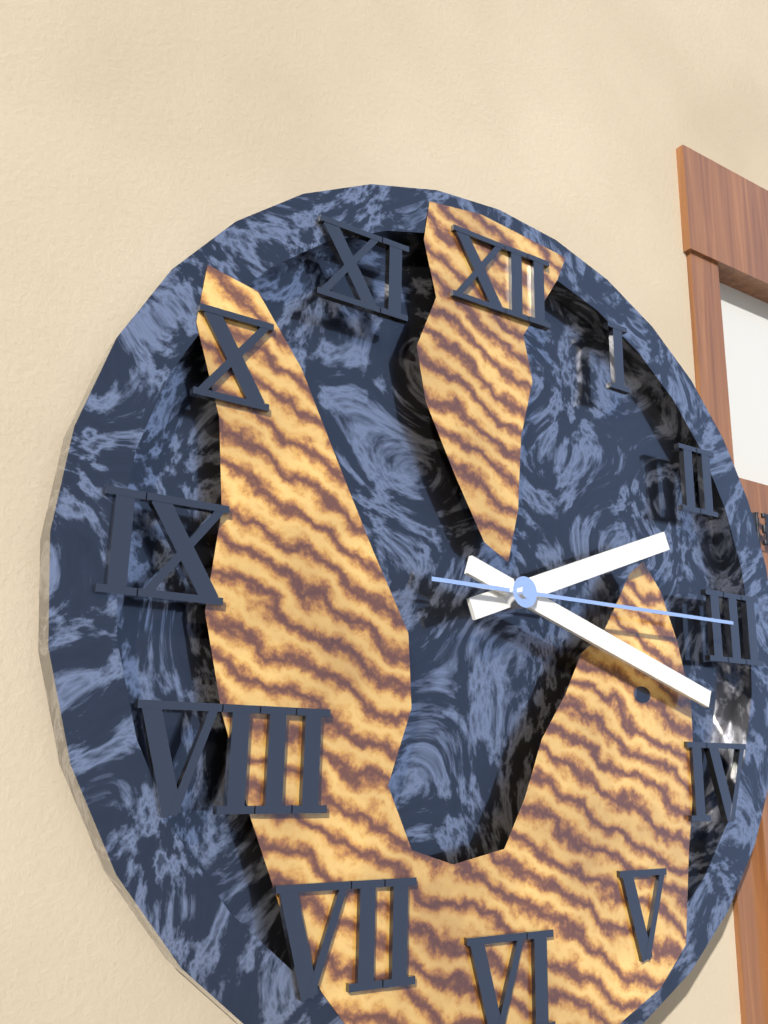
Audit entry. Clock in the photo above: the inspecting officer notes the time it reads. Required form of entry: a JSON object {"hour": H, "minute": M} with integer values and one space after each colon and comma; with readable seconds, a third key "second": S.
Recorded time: {"hour": 2, "minute": 18, "second": 15}
